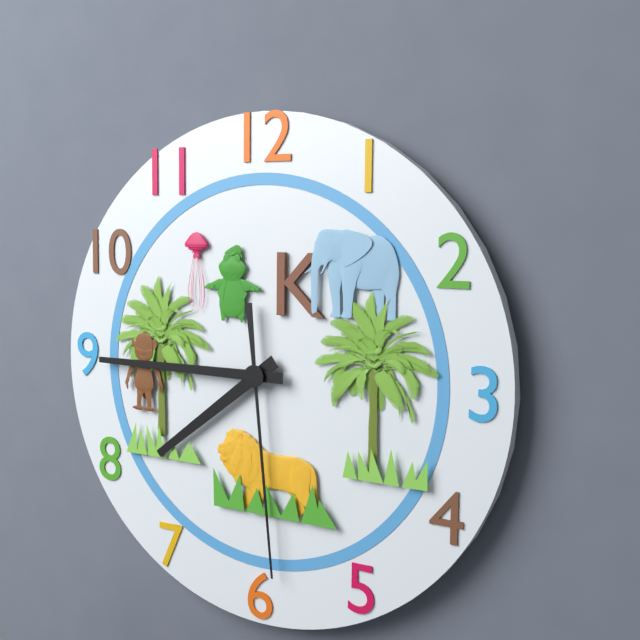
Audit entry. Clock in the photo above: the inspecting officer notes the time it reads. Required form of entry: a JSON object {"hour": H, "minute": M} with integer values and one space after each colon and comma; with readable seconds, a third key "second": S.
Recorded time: {"hour": 7, "minute": 45, "second": 29}
